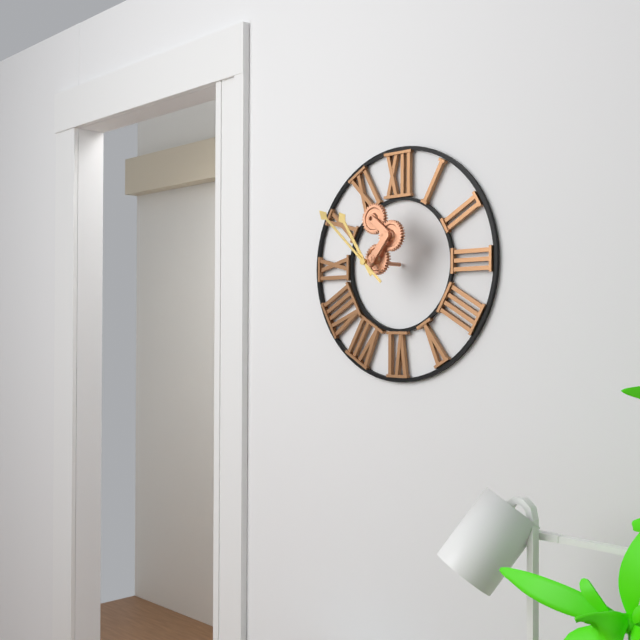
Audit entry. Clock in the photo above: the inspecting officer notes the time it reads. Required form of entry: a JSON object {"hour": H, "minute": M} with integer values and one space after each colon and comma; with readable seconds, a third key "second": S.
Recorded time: {"hour": 10, "minute": 52}
